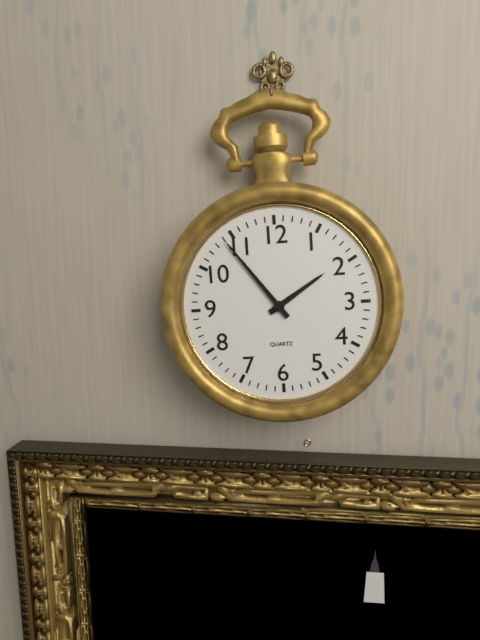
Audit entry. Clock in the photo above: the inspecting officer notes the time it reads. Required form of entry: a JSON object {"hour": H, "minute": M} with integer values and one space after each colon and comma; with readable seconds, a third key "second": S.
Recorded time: {"hour": 1, "minute": 54}
